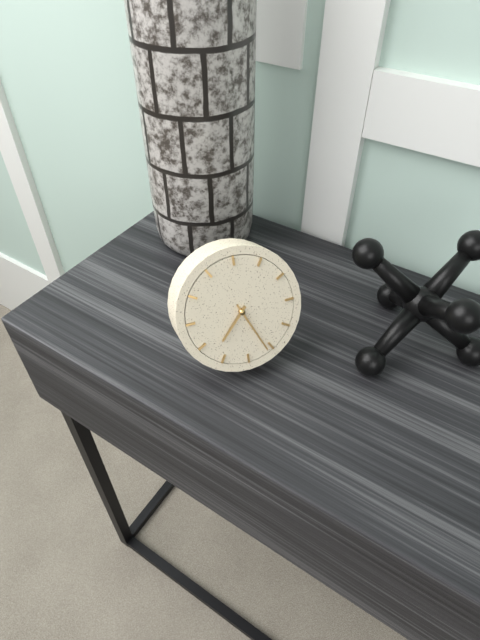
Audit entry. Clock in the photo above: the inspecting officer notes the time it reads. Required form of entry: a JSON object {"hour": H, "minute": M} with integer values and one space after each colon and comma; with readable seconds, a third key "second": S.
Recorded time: {"hour": 7, "minute": 26}
